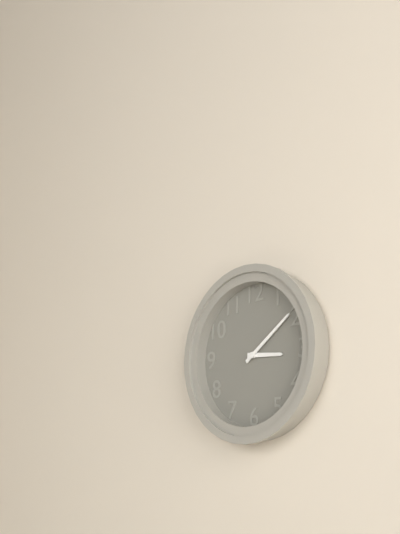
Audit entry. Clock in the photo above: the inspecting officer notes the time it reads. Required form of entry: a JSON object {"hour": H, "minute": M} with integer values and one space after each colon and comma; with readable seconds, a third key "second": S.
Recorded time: {"hour": 3, "minute": 9}
